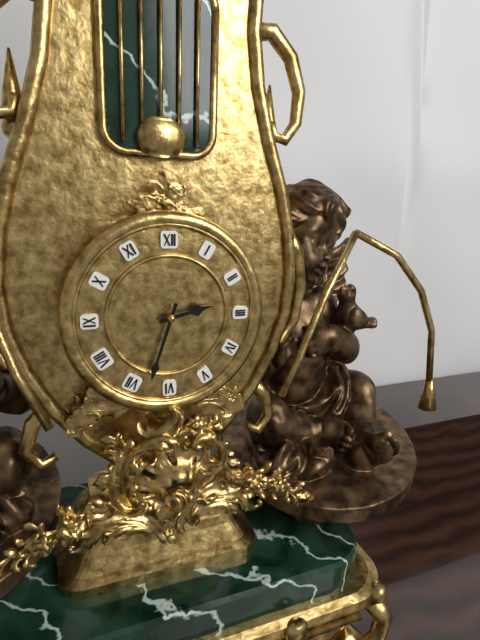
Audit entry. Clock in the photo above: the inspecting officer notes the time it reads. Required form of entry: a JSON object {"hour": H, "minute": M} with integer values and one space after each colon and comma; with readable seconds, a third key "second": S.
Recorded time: {"hour": 2, "minute": 33}
